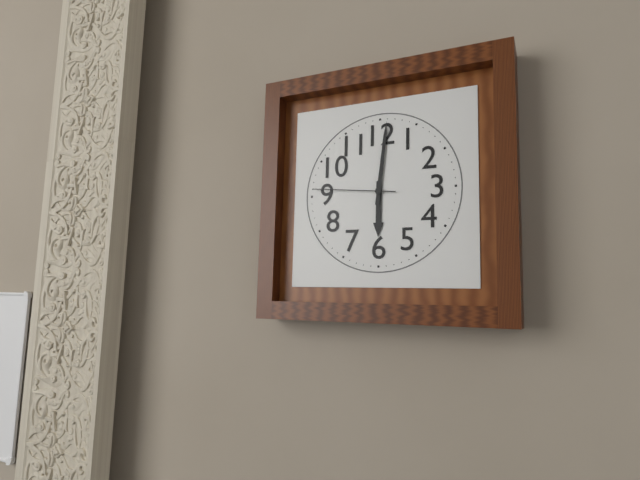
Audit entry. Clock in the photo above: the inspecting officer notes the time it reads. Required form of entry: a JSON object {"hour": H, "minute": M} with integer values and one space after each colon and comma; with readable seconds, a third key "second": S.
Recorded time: {"hour": 6, "minute": 1, "second": 46}
